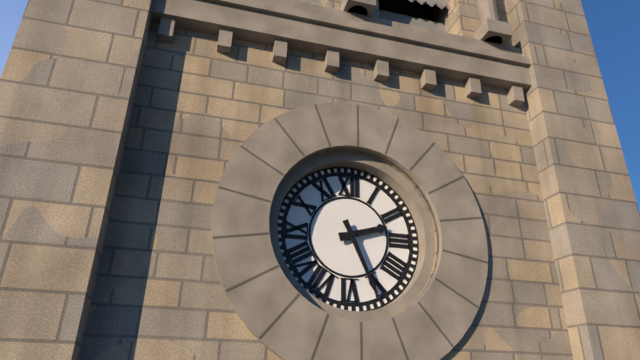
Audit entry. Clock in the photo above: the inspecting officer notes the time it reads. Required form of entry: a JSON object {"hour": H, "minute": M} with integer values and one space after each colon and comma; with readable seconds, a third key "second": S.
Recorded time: {"hour": 2, "minute": 26}
